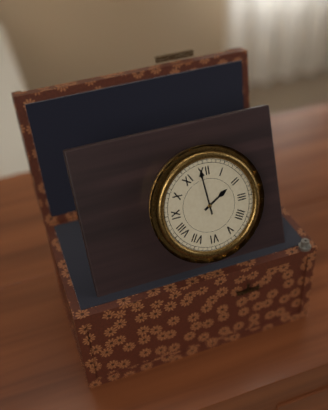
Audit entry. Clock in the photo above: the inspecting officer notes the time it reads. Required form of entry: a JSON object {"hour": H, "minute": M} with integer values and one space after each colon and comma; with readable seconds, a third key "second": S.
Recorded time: {"hour": 1, "minute": 59}
